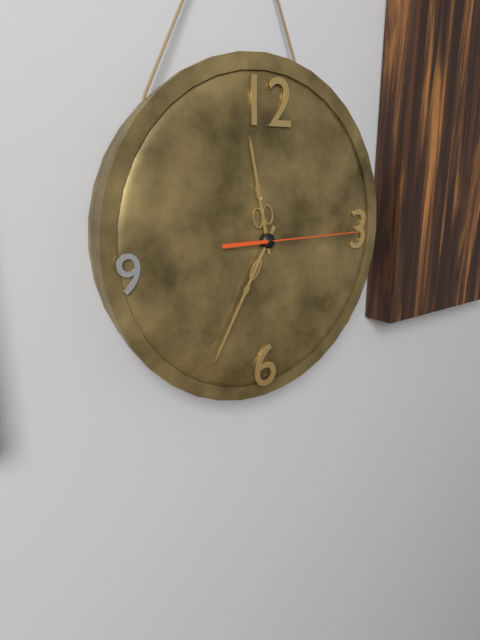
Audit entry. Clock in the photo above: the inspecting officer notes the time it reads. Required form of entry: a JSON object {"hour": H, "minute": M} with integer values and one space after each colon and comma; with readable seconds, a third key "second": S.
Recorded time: {"hour": 11, "minute": 35, "second": 15}
